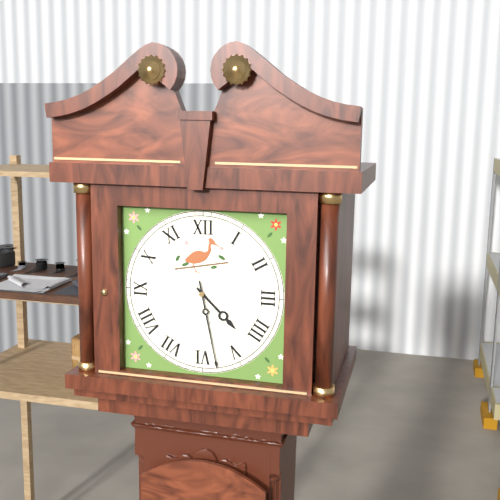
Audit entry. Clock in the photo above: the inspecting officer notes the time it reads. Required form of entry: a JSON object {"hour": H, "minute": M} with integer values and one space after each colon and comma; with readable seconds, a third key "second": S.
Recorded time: {"hour": 4, "minute": 28}
